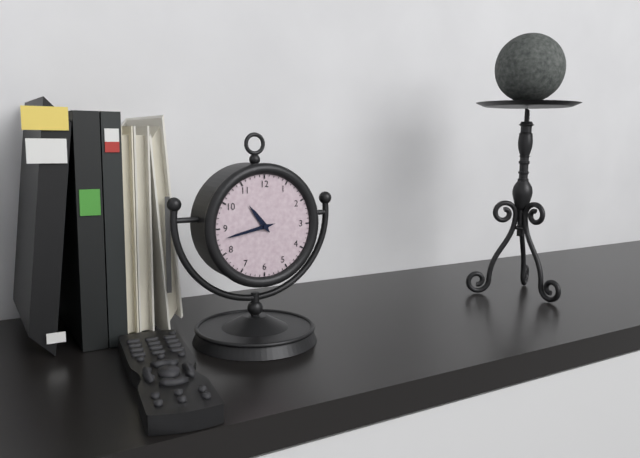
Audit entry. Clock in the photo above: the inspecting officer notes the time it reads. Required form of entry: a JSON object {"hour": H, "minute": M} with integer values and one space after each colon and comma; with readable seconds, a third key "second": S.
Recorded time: {"hour": 10, "minute": 43}
